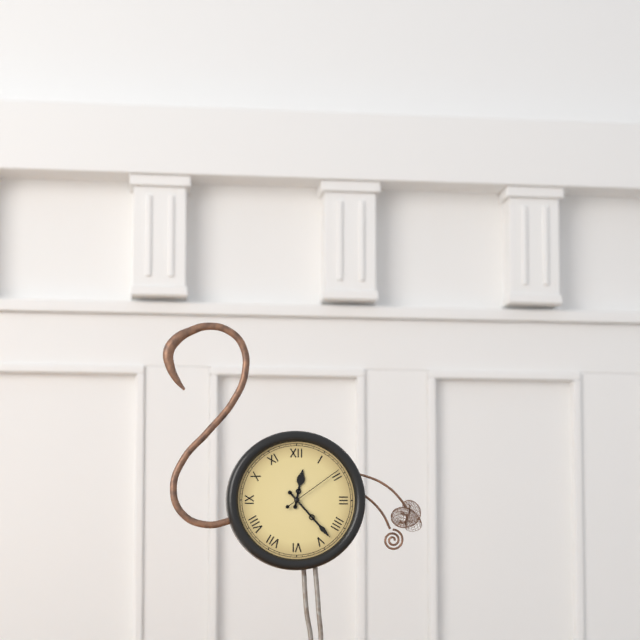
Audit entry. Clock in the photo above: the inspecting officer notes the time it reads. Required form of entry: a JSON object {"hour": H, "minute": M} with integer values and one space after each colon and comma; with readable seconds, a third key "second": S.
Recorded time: {"hour": 12, "minute": 23, "second": 9}
